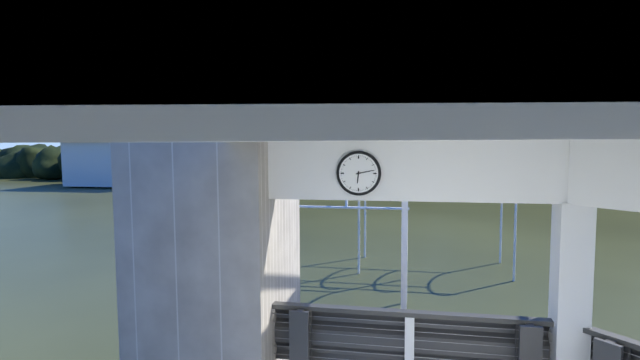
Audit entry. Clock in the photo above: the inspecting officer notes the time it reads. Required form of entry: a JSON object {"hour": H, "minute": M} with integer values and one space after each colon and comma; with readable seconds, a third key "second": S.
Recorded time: {"hour": 6, "minute": 13}
